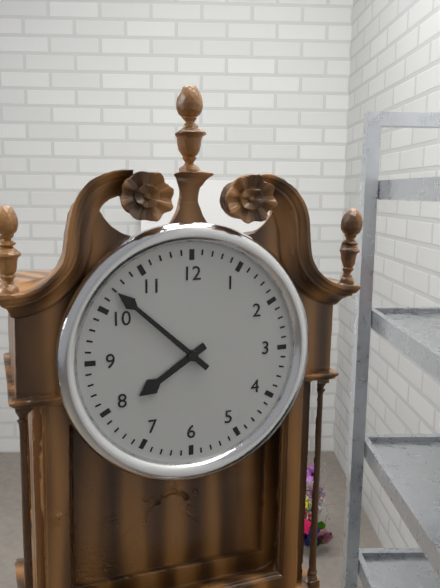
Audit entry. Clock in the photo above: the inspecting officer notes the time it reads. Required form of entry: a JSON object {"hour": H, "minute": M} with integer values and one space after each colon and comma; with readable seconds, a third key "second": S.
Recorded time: {"hour": 7, "minute": 52}
